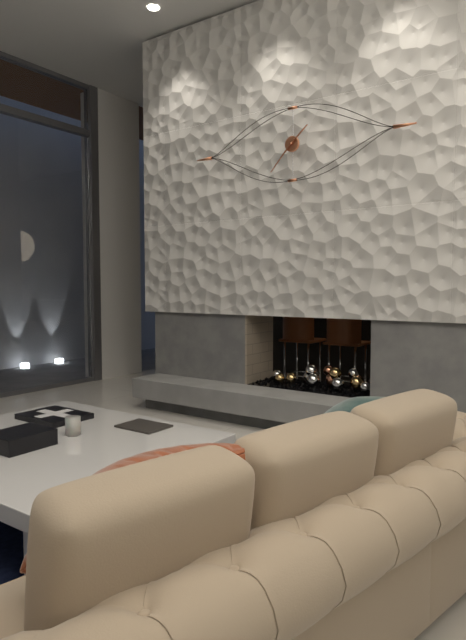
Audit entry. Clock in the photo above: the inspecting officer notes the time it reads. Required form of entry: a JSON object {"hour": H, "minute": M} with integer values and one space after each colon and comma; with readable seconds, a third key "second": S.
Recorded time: {"hour": 1, "minute": 37}
